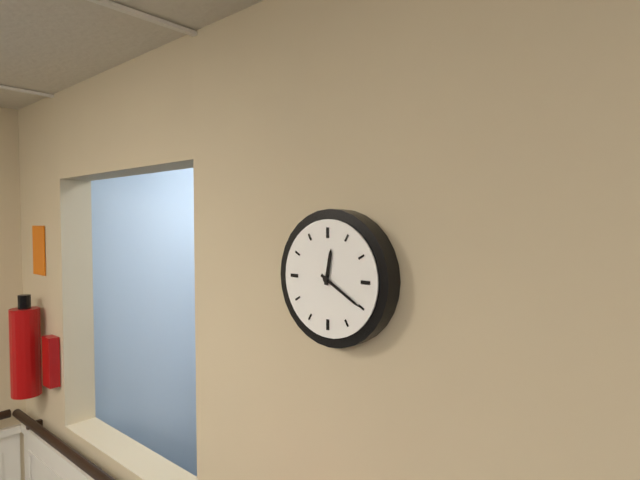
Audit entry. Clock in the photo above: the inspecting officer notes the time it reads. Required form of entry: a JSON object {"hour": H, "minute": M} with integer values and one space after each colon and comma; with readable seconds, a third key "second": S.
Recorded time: {"hour": 12, "minute": 20}
